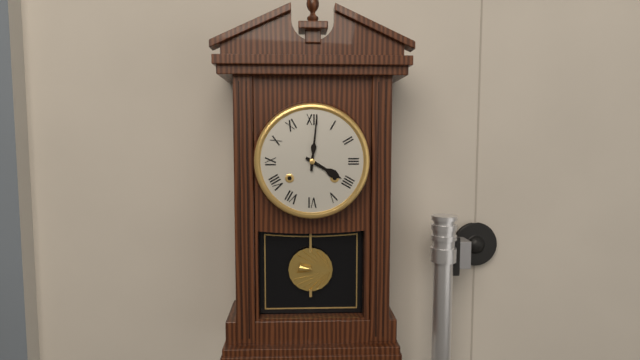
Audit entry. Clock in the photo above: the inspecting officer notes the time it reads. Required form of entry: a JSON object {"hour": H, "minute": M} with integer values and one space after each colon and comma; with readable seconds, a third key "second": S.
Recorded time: {"hour": 4, "minute": 1}
